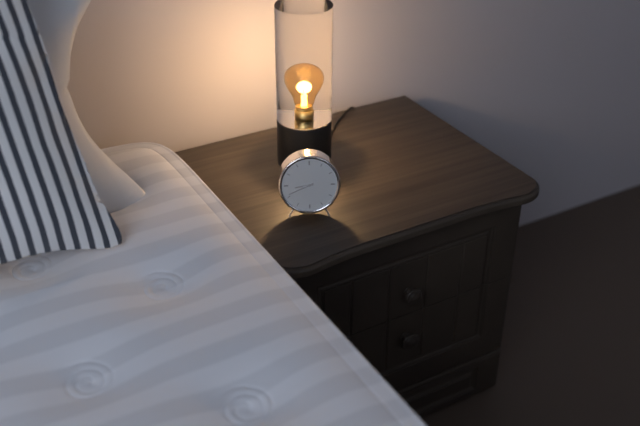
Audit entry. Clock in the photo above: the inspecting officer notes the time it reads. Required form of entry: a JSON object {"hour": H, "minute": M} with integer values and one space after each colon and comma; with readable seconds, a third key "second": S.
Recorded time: {"hour": 8, "minute": 41}
